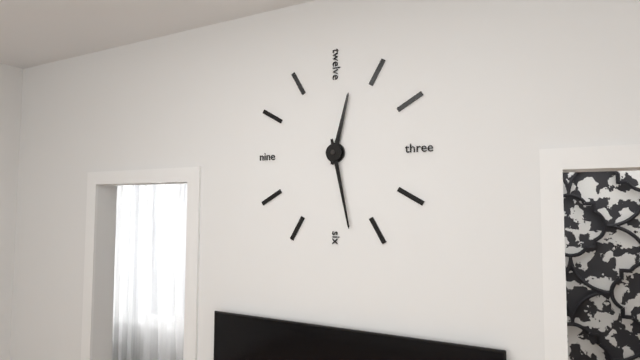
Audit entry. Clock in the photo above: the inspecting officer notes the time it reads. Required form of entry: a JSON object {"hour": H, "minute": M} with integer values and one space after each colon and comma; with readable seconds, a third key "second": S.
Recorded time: {"hour": 12, "minute": 28}
